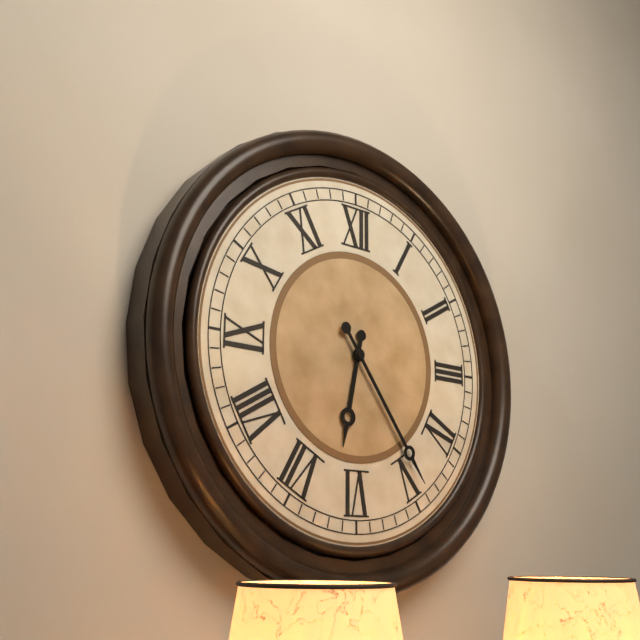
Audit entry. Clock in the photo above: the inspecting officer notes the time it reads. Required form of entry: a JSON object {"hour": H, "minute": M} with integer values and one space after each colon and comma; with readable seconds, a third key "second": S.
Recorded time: {"hour": 6, "minute": 24}
